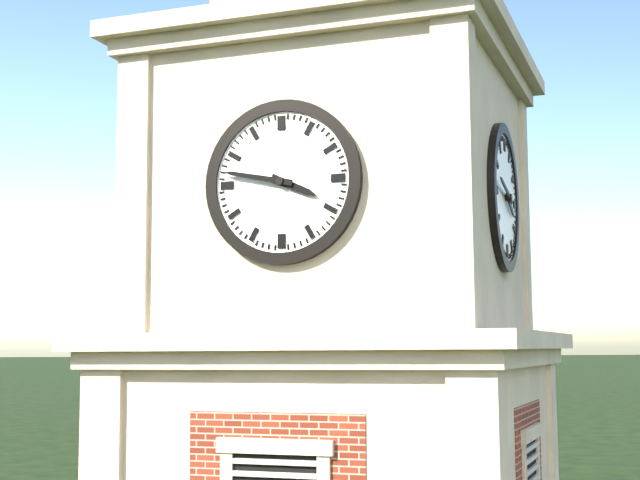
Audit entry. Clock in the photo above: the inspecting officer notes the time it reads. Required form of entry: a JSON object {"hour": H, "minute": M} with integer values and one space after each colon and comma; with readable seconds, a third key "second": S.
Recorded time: {"hour": 3, "minute": 47}
